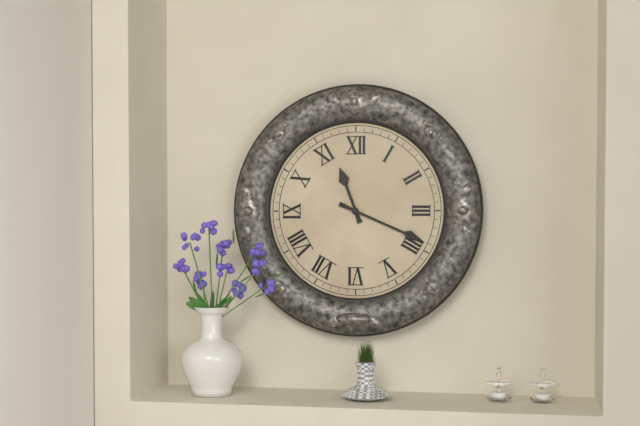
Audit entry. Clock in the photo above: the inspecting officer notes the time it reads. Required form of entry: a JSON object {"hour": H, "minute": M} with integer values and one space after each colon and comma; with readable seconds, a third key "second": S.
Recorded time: {"hour": 11, "minute": 19}
